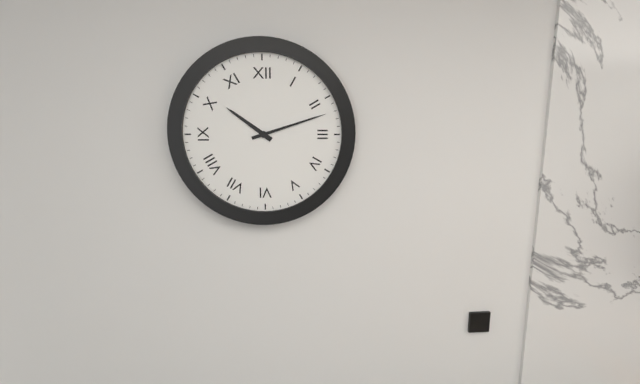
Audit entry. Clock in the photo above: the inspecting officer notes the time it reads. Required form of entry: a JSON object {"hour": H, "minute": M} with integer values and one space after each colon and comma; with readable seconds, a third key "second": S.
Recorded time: {"hour": 10, "minute": 12}
